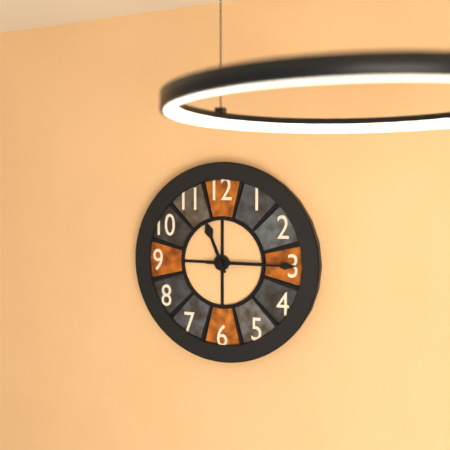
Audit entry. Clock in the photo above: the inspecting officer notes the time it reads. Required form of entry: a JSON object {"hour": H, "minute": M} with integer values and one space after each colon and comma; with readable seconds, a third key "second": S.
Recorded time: {"hour": 11, "minute": 15}
